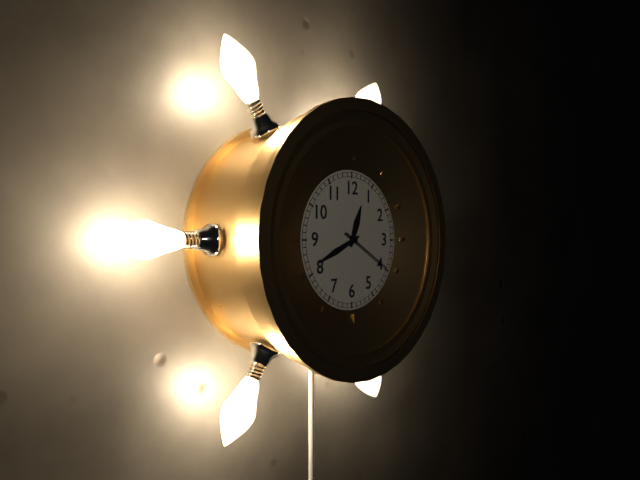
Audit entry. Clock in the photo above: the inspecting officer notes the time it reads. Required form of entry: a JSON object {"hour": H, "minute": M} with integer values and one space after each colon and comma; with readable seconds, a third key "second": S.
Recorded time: {"hour": 12, "minute": 41, "second": 20}
